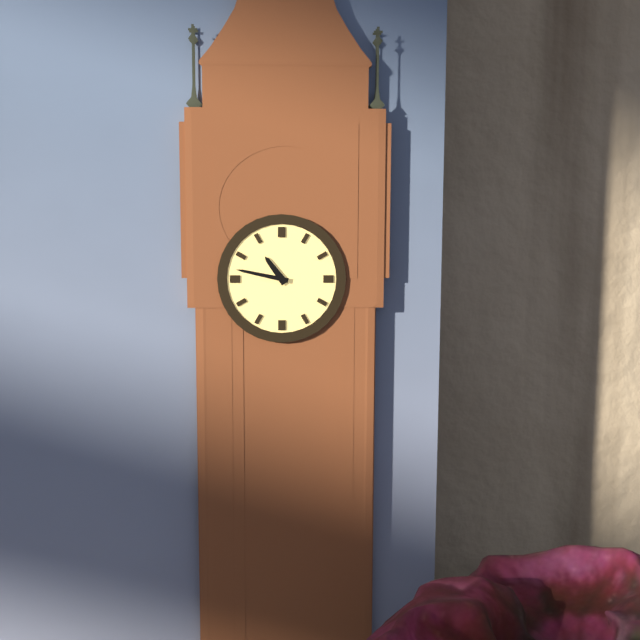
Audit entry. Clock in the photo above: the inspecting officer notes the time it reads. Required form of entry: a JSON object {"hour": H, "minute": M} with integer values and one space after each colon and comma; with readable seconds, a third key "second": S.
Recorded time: {"hour": 10, "minute": 47}
